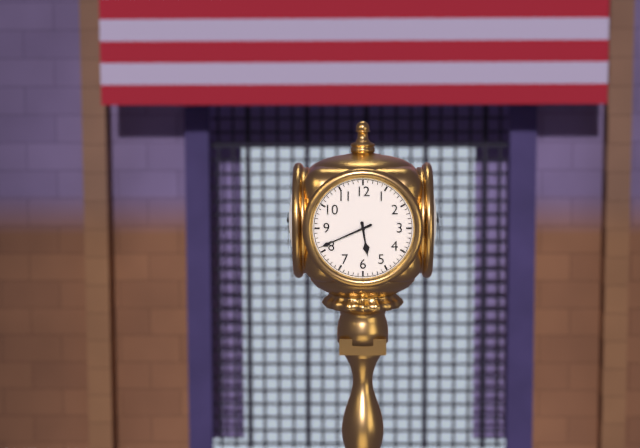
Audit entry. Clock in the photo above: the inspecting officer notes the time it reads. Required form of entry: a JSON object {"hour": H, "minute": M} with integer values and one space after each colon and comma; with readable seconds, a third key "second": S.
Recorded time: {"hour": 5, "minute": 41}
